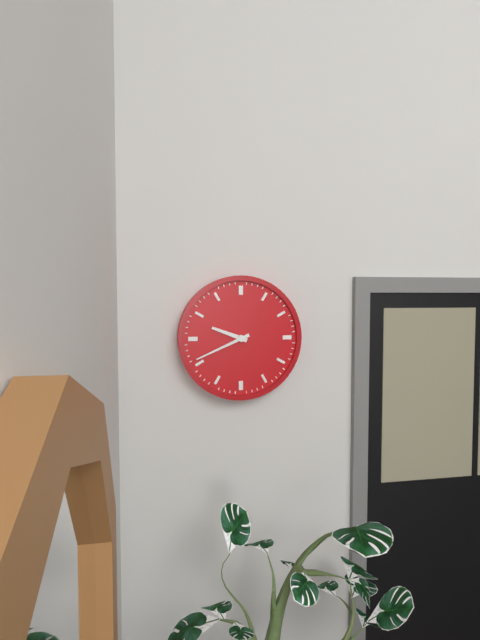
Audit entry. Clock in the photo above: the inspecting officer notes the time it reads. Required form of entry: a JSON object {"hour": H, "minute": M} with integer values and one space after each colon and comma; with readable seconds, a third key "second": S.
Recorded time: {"hour": 9, "minute": 41}
